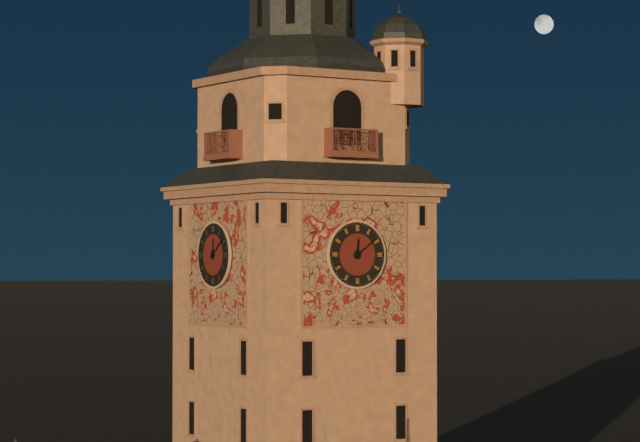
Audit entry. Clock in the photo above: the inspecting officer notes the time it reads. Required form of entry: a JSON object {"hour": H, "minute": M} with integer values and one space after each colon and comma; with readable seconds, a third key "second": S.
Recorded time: {"hour": 12, "minute": 9}
